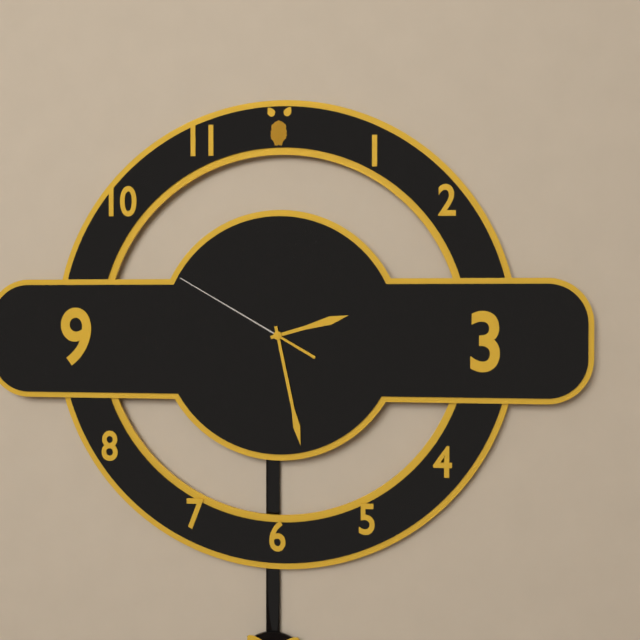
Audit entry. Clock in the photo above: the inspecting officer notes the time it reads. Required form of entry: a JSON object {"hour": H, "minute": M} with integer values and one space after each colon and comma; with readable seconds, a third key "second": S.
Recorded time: {"hour": 2, "minute": 28, "second": 50}
